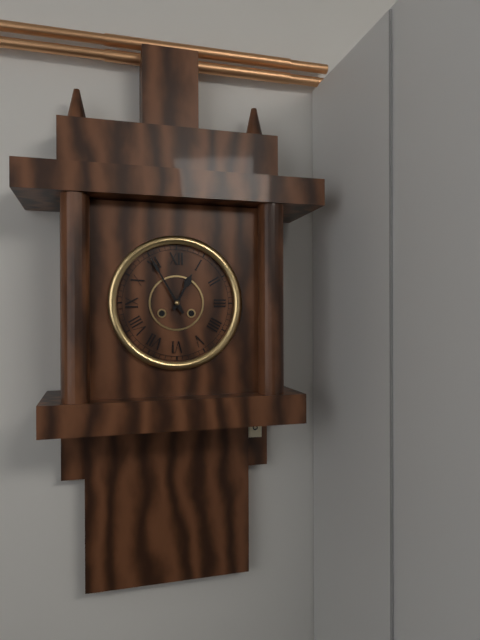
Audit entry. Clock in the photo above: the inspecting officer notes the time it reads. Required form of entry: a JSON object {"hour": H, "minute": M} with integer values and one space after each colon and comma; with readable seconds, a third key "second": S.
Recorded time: {"hour": 12, "minute": 55}
